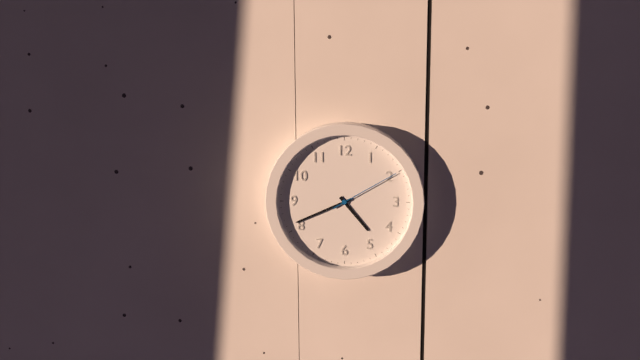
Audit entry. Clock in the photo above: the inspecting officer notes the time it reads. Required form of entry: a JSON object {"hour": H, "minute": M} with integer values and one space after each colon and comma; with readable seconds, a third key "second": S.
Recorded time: {"hour": 4, "minute": 41, "second": 10}
